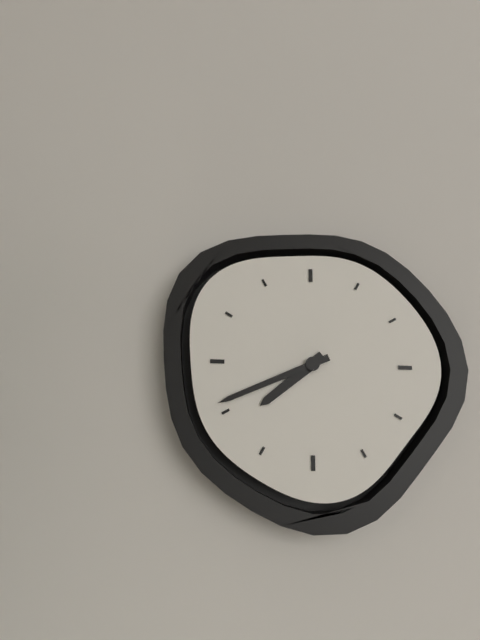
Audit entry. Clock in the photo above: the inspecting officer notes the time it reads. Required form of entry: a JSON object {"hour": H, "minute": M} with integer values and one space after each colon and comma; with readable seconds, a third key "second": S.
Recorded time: {"hour": 7, "minute": 41}
